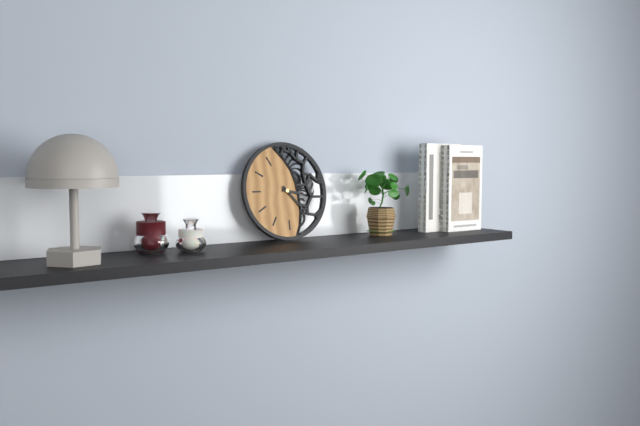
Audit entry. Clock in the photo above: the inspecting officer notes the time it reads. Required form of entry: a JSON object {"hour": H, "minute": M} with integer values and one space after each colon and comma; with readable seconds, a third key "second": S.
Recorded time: {"hour": 3, "minute": 23}
